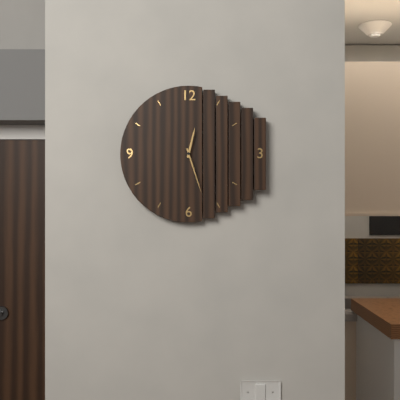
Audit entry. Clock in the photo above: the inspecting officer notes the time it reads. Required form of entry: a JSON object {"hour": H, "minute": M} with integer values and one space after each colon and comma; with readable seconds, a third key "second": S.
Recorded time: {"hour": 12, "minute": 27}
